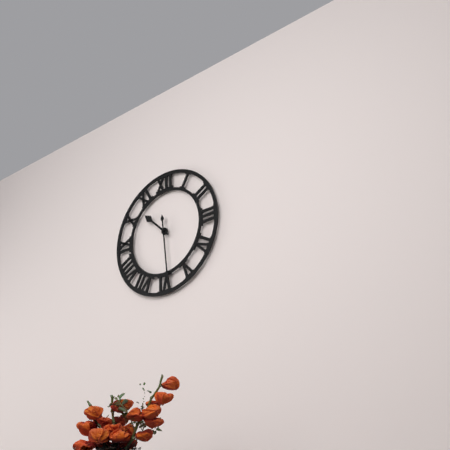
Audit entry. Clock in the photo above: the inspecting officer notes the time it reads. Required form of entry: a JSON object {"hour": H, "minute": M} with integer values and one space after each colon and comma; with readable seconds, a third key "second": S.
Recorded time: {"hour": 10, "minute": 29}
